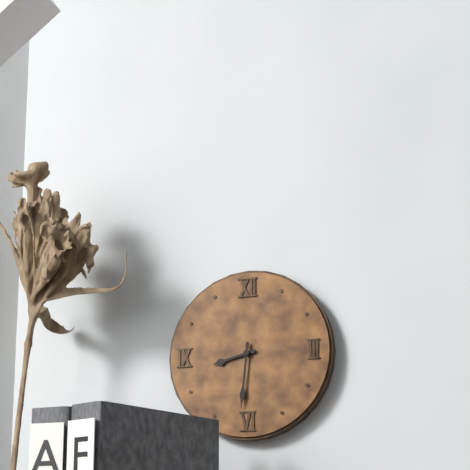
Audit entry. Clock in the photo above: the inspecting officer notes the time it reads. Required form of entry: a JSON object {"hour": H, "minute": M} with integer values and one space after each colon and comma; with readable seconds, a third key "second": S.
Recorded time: {"hour": 8, "minute": 31}
